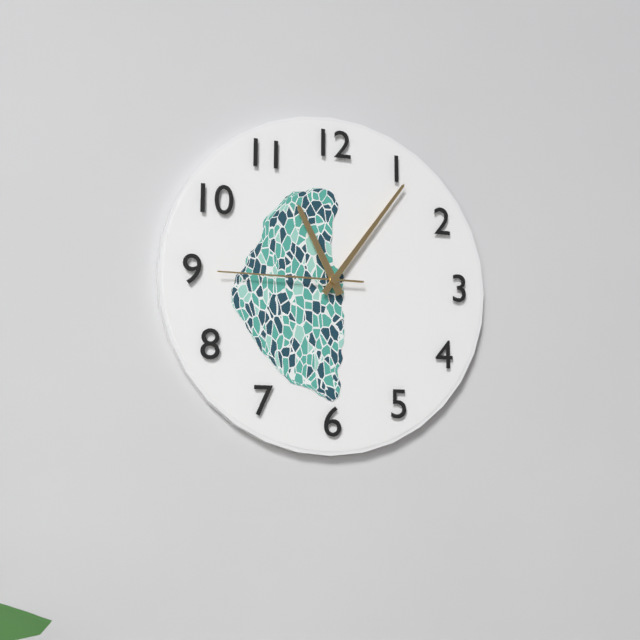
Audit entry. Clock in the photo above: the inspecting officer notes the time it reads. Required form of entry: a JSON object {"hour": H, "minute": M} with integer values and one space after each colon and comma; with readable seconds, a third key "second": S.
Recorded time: {"hour": 11, "minute": 6, "second": 45}
